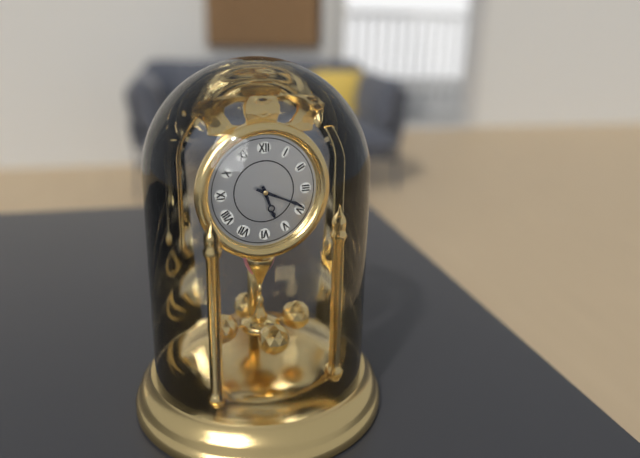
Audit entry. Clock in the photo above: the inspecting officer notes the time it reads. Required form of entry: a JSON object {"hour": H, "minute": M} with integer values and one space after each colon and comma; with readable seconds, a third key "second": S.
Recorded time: {"hour": 5, "minute": 19}
